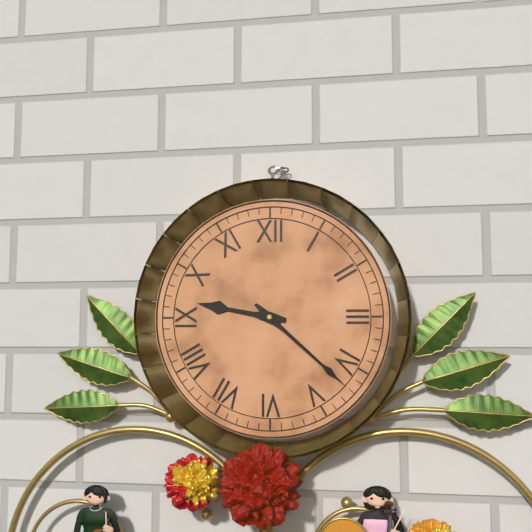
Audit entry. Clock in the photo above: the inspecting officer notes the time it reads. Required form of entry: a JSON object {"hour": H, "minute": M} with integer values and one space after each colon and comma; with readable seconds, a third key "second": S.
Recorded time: {"hour": 9, "minute": 22}
